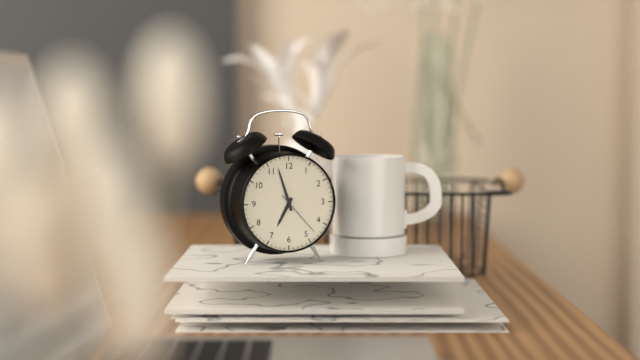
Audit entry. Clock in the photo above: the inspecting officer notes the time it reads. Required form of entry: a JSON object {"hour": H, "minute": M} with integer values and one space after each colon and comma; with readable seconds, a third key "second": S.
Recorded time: {"hour": 6, "minute": 57, "second": 23}
